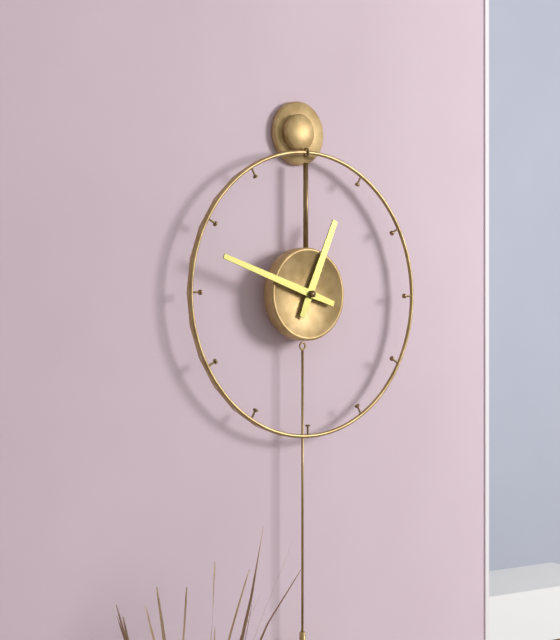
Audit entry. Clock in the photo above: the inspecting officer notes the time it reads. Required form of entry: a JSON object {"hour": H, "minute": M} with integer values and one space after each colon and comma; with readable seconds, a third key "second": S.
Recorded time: {"hour": 12, "minute": 48}
